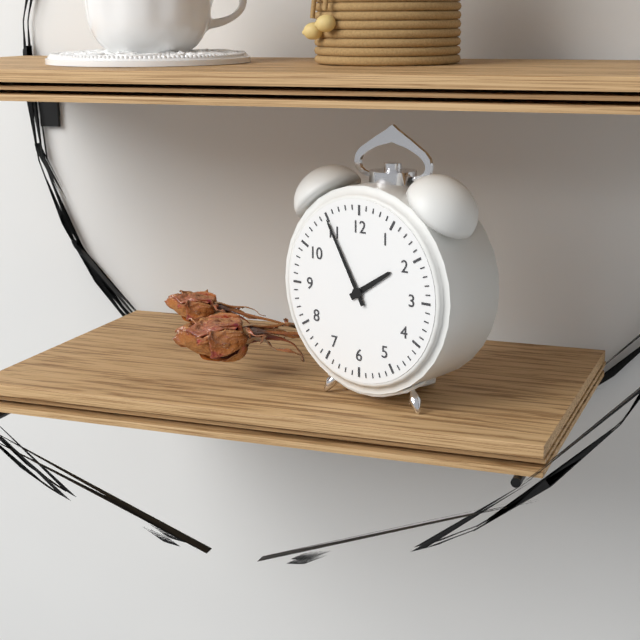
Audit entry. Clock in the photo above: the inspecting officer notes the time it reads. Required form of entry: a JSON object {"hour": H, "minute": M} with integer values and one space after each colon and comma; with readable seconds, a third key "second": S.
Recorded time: {"hour": 1, "minute": 55}
